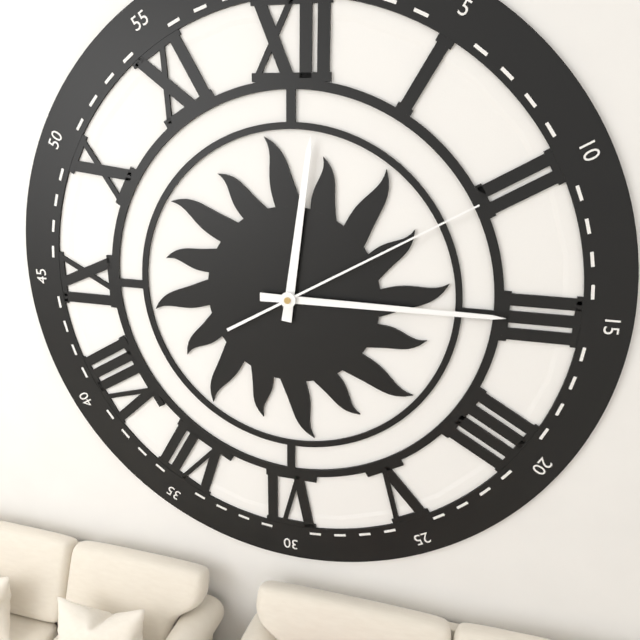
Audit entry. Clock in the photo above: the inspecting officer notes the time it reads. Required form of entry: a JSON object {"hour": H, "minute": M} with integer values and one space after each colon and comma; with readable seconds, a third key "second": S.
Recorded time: {"hour": 12, "minute": 15, "second": 10}
